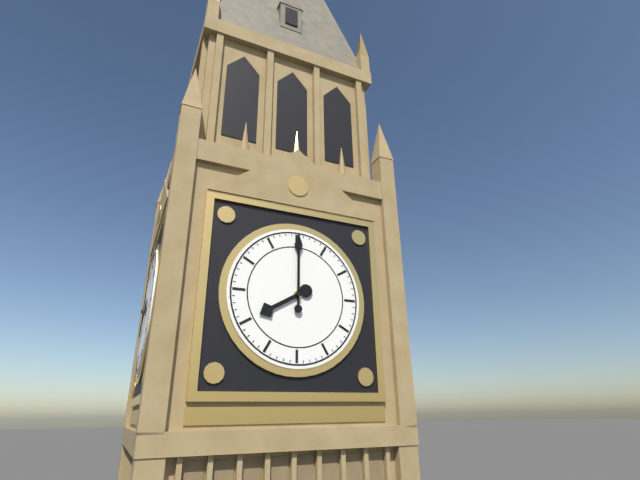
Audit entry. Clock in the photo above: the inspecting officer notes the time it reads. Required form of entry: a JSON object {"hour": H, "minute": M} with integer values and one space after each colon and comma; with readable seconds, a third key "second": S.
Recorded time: {"hour": 8, "minute": 0}
